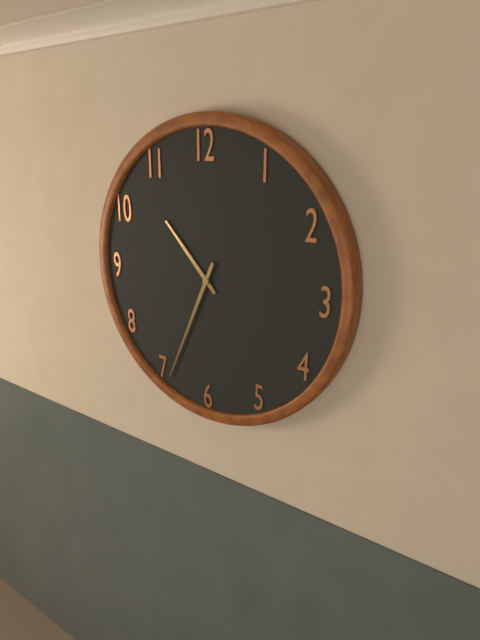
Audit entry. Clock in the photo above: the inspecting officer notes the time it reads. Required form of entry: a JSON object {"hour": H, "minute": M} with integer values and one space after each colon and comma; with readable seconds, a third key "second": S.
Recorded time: {"hour": 10, "minute": 34}
